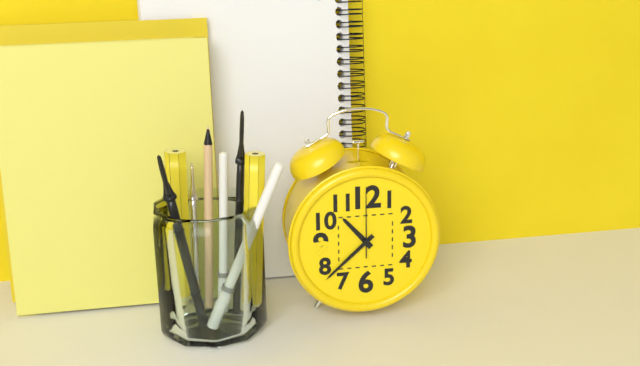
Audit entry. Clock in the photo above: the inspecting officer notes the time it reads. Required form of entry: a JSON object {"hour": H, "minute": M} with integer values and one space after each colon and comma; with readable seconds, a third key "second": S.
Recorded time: {"hour": 10, "minute": 38, "second": 0}
